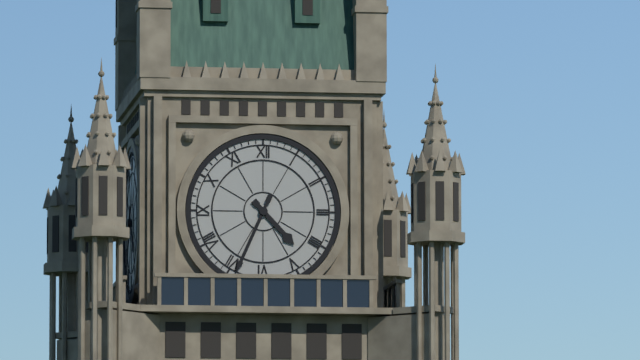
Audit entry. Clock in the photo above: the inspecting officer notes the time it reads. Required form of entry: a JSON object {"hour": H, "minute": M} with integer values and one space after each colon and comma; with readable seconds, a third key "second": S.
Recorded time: {"hour": 4, "minute": 34}
